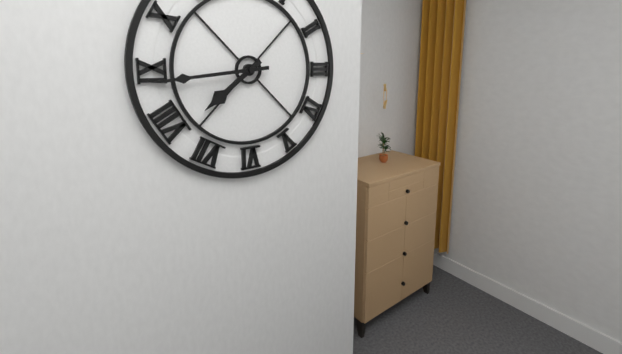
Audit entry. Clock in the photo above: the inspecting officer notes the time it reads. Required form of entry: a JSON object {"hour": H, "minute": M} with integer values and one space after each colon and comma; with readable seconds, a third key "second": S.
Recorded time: {"hour": 7, "minute": 44}
